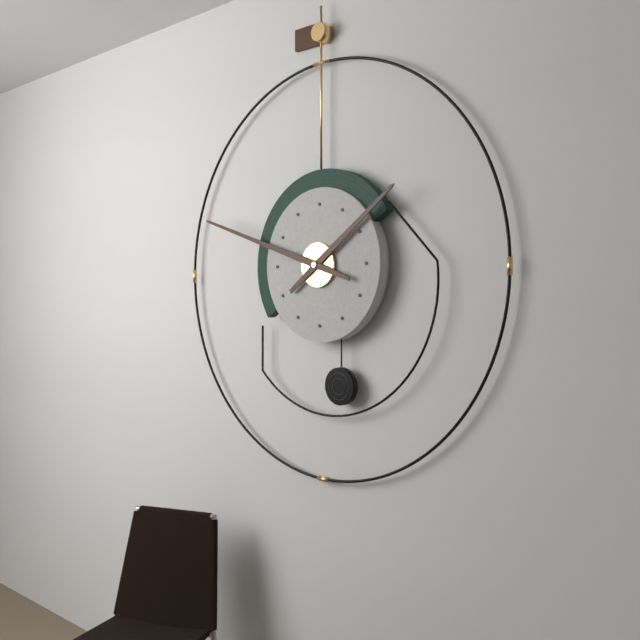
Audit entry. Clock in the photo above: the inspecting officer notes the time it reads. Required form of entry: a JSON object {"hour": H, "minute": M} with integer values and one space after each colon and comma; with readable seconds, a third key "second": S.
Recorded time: {"hour": 1, "minute": 48}
